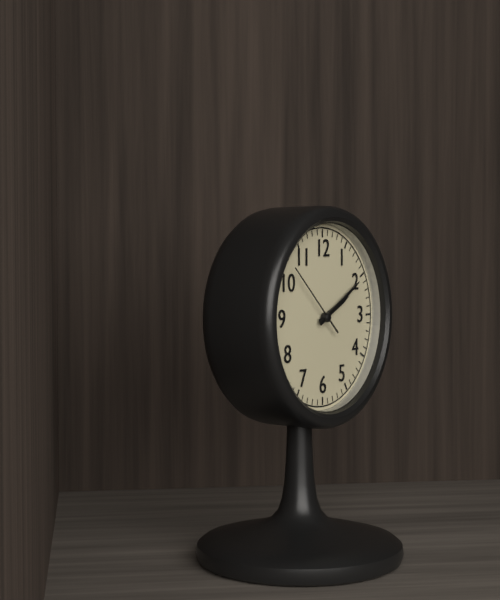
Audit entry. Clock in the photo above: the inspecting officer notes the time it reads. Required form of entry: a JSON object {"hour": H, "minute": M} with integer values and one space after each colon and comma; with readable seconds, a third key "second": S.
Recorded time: {"hour": 2, "minute": 10, "second": 52}
